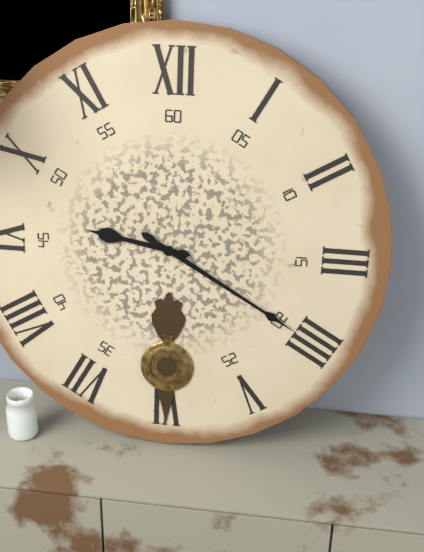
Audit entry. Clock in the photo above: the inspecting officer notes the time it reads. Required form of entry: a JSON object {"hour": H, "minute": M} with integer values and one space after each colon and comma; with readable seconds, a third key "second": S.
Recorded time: {"hour": 9, "minute": 20}
